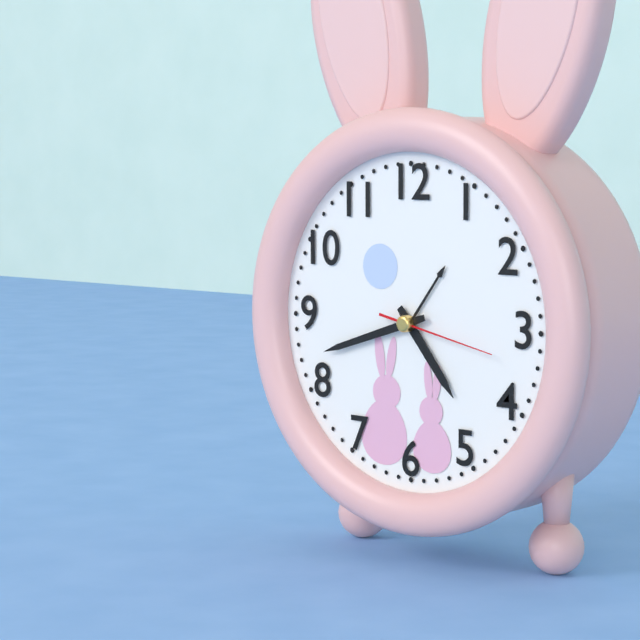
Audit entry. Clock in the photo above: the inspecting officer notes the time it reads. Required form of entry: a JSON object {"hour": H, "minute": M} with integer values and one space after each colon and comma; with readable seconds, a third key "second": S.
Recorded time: {"hour": 4, "minute": 42, "second": 17}
